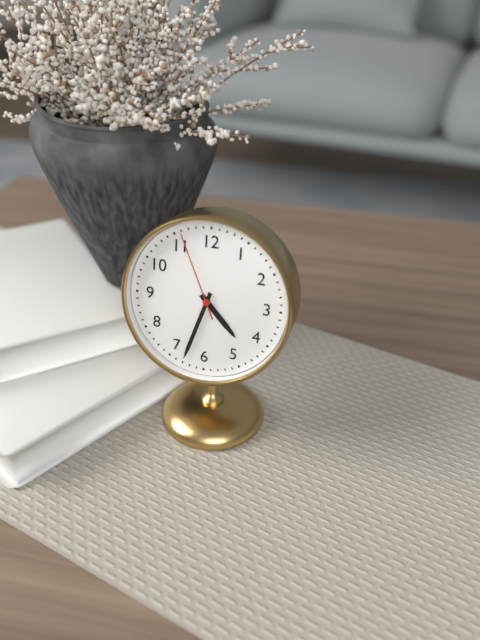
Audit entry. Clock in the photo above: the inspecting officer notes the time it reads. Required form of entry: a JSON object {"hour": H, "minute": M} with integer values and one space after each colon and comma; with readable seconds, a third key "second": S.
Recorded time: {"hour": 4, "minute": 33, "second": 56}
